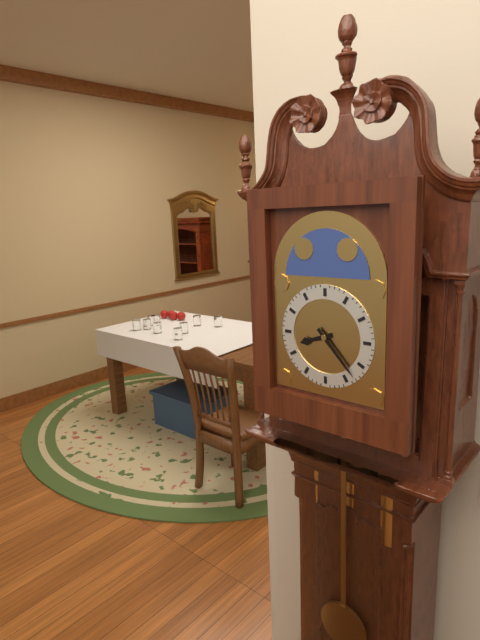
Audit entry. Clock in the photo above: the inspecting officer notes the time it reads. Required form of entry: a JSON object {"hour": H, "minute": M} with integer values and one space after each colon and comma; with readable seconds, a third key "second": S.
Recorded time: {"hour": 8, "minute": 23}
